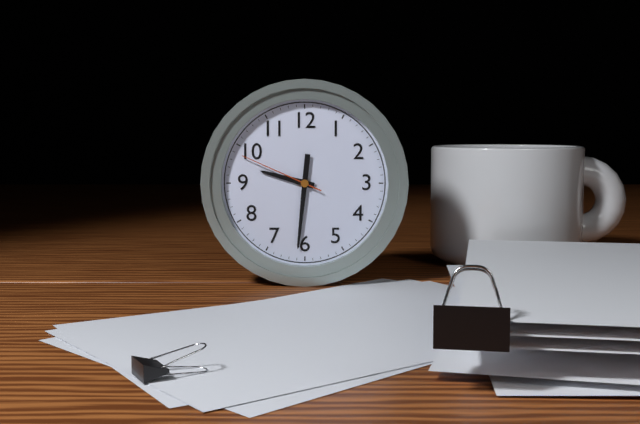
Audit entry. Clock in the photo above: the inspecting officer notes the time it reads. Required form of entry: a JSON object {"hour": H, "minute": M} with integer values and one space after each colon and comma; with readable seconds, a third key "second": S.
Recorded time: {"hour": 9, "minute": 31, "second": 49}
